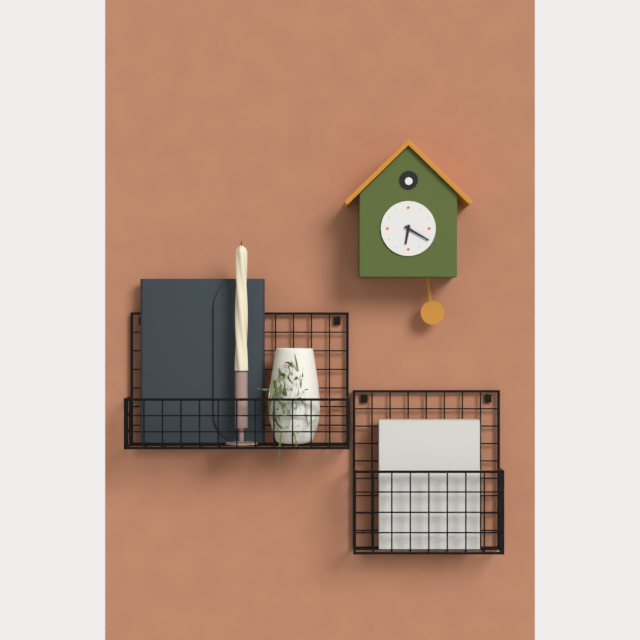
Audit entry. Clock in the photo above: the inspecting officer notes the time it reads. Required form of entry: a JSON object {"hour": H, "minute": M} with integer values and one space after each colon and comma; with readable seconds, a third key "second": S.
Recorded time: {"hour": 6, "minute": 20}
